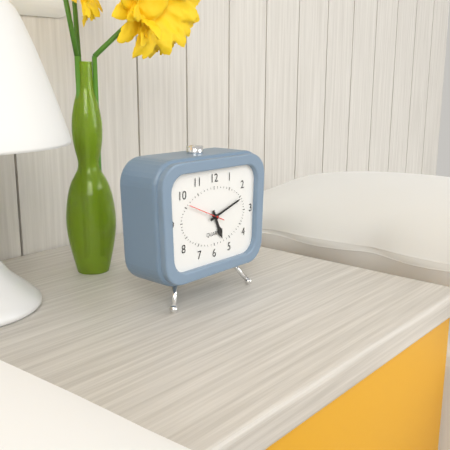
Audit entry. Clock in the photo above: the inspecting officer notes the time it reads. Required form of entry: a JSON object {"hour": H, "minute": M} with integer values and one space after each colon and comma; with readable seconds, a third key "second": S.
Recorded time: {"hour": 5, "minute": 12}
